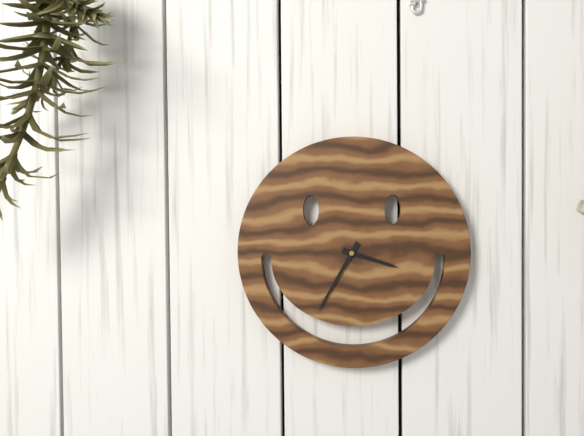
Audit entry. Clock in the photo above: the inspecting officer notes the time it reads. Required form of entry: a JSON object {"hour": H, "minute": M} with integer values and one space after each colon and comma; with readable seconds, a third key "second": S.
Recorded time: {"hour": 3, "minute": 35}
